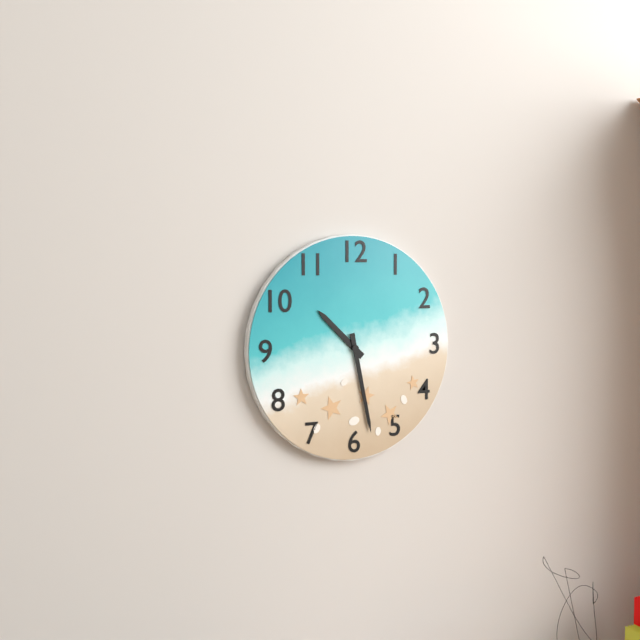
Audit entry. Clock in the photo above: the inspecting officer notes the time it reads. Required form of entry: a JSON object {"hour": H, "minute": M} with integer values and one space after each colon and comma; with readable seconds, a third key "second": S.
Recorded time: {"hour": 10, "minute": 28}
